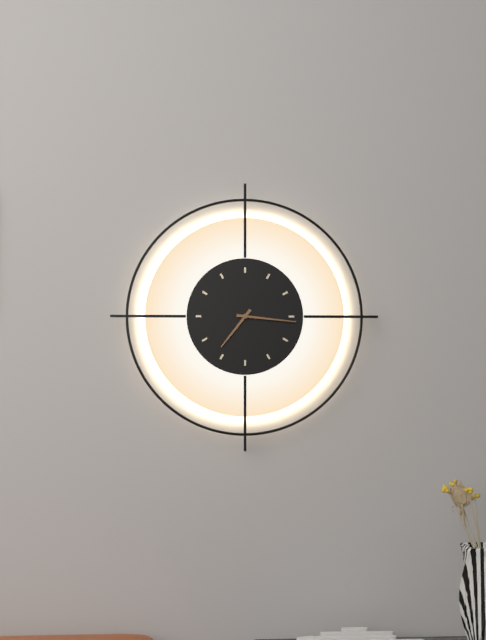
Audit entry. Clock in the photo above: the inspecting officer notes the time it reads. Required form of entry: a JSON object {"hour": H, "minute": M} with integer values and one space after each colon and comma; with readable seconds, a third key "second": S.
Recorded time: {"hour": 7, "minute": 16}
